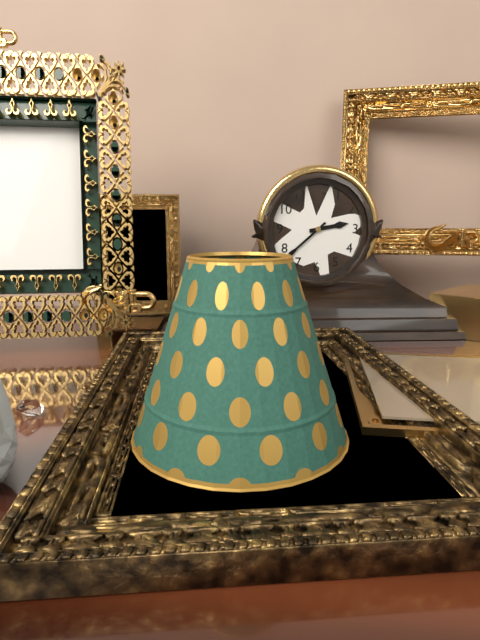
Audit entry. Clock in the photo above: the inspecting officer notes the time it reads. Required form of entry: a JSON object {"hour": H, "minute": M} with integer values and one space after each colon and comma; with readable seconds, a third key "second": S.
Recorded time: {"hour": 2, "minute": 38}
